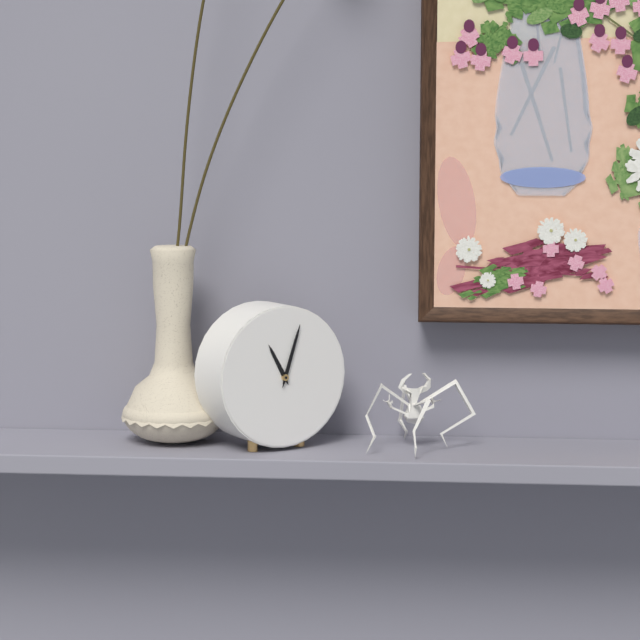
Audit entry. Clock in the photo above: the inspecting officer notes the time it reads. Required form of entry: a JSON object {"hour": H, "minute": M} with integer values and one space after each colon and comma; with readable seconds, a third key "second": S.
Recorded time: {"hour": 11, "minute": 3}
